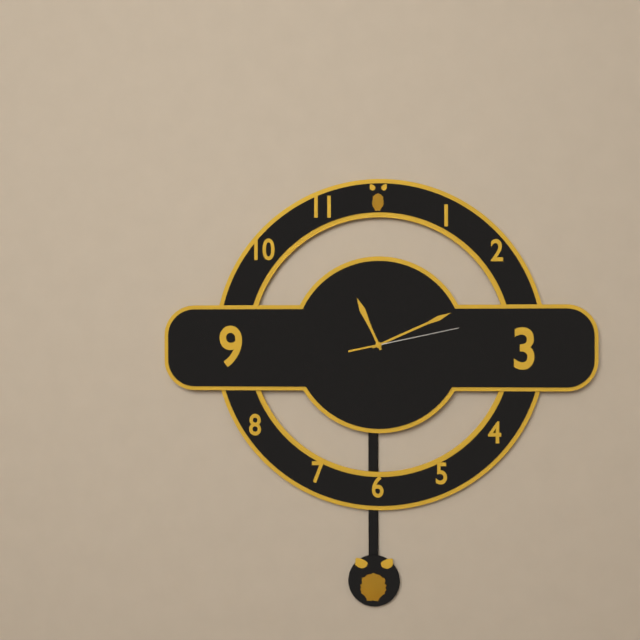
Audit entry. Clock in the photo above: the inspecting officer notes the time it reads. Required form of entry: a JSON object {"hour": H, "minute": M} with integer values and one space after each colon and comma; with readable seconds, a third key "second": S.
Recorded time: {"hour": 11, "minute": 11, "second": 13}
